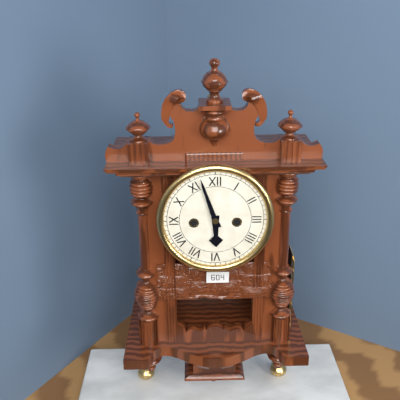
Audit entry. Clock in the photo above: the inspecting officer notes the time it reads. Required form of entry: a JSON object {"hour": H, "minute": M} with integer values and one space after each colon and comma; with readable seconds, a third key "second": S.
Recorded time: {"hour": 5, "minute": 57}
